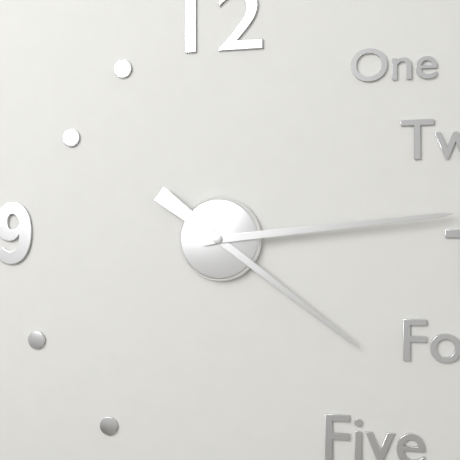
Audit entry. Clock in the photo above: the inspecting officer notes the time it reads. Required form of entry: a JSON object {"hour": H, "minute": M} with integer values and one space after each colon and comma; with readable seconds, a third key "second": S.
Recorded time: {"hour": 4, "minute": 14}
